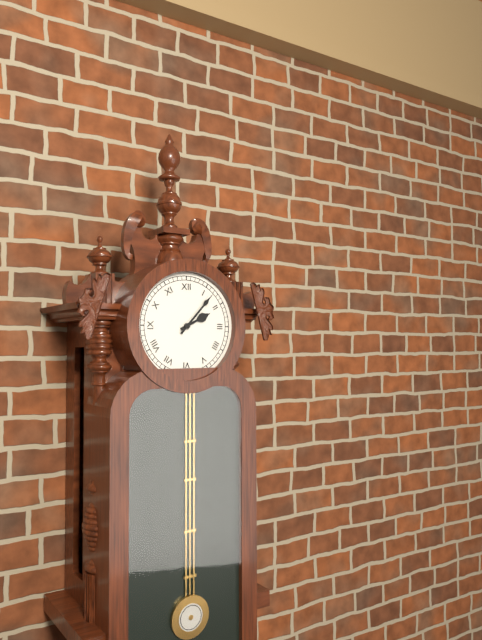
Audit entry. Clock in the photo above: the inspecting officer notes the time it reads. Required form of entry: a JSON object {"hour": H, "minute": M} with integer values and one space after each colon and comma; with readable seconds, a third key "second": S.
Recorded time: {"hour": 2, "minute": 7}
